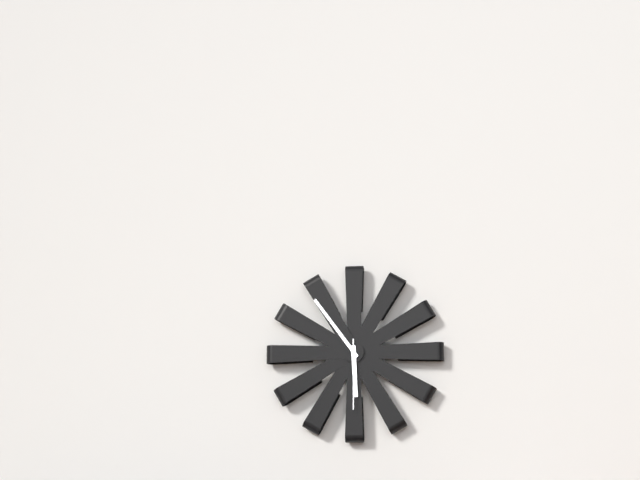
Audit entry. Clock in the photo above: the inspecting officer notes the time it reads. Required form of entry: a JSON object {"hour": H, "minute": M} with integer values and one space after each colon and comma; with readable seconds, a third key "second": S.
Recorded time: {"hour": 5, "minute": 54, "second": 30}
